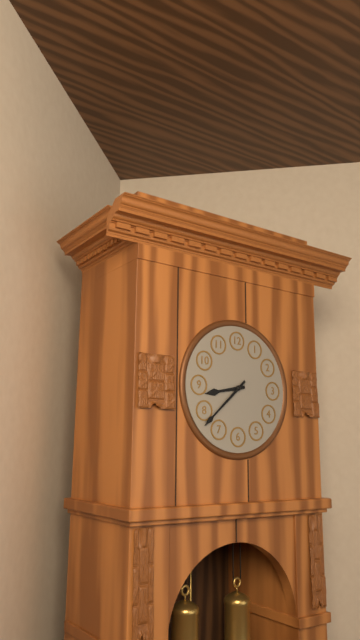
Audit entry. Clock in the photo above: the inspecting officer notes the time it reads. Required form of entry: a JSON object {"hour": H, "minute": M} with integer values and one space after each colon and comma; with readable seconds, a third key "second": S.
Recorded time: {"hour": 8, "minute": 38}
